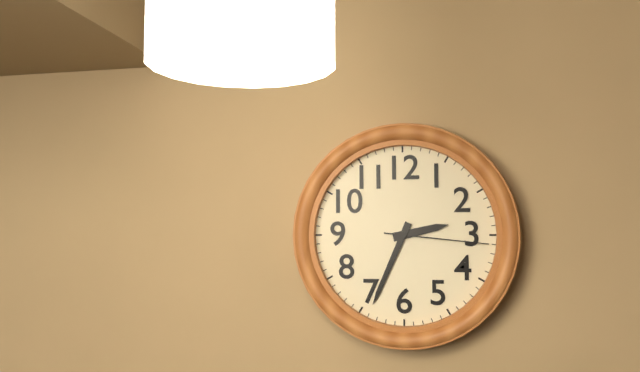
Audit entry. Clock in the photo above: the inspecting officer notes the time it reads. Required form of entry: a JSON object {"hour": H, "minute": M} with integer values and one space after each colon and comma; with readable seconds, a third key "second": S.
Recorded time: {"hour": 2, "minute": 34, "second": 16}
